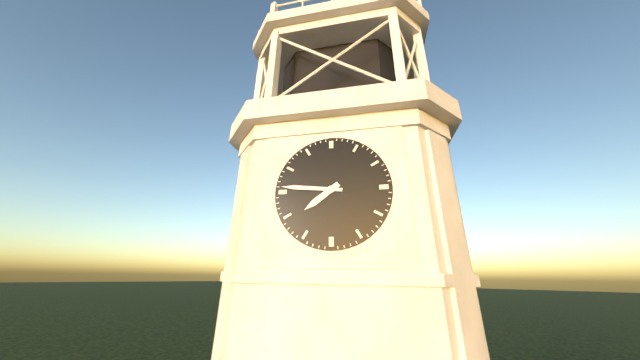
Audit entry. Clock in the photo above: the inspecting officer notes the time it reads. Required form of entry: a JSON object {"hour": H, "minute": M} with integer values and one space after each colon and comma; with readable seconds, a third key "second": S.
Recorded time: {"hour": 7, "minute": 46}
